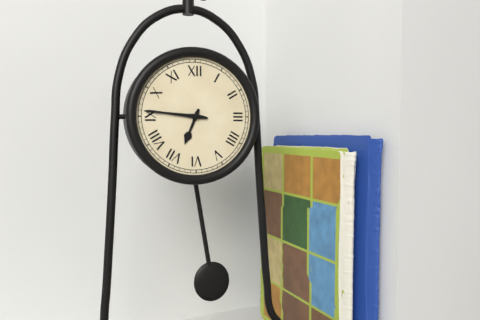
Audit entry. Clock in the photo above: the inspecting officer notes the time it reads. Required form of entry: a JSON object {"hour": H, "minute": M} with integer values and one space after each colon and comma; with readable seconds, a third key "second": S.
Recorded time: {"hour": 6, "minute": 46}
